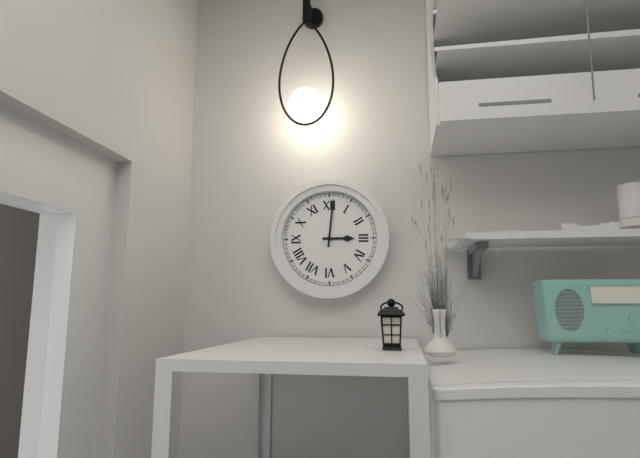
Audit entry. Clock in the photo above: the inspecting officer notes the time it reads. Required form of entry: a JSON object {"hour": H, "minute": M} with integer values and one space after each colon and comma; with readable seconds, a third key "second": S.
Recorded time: {"hour": 3, "minute": 1}
